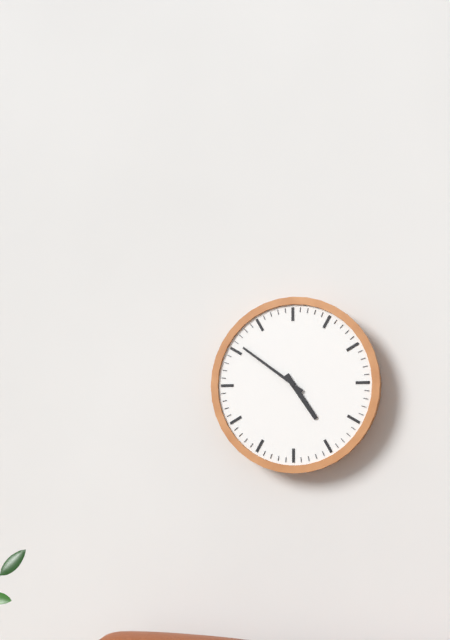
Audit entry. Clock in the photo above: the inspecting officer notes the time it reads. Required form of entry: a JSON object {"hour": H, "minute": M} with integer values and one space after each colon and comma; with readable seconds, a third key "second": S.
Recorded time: {"hour": 4, "minute": 51}
